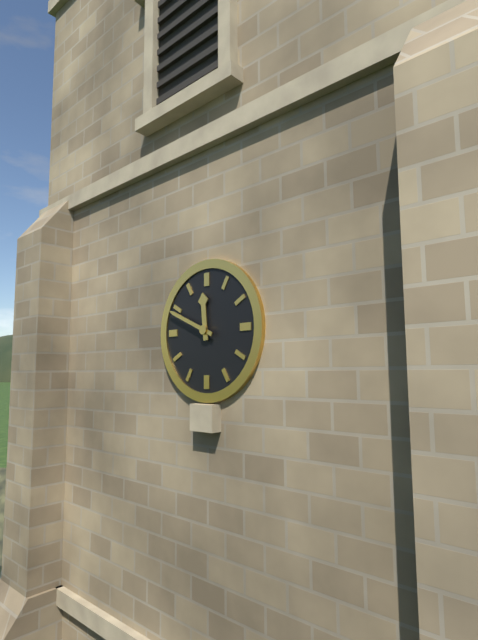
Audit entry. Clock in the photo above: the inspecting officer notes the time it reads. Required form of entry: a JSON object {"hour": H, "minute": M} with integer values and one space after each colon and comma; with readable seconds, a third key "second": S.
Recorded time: {"hour": 11, "minute": 49}
